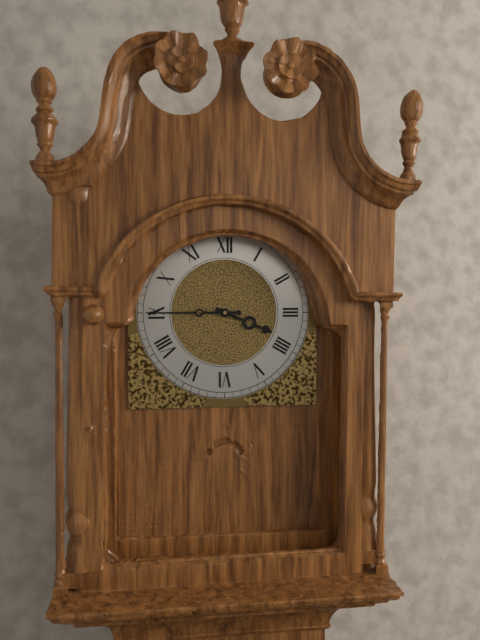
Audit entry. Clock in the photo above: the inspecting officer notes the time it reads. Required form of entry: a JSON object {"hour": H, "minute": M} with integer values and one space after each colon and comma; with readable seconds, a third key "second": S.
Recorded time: {"hour": 3, "minute": 45}
